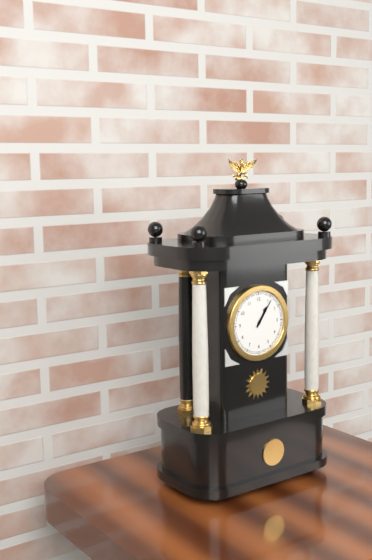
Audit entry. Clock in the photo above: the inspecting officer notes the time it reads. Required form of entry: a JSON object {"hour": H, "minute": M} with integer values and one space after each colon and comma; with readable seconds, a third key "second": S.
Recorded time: {"hour": 1, "minute": 6}
